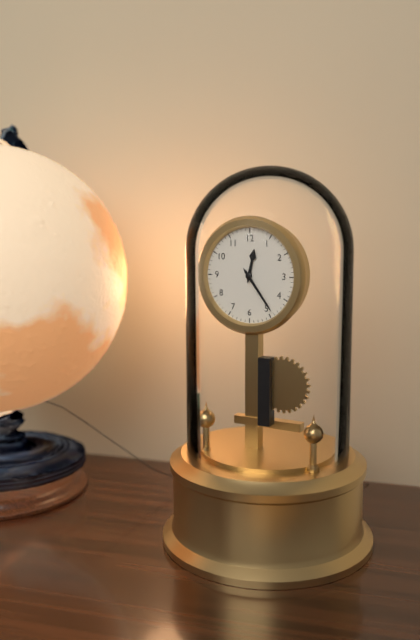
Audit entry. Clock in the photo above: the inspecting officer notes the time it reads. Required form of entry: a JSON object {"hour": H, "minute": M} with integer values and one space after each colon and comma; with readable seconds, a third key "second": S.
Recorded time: {"hour": 12, "minute": 24}
